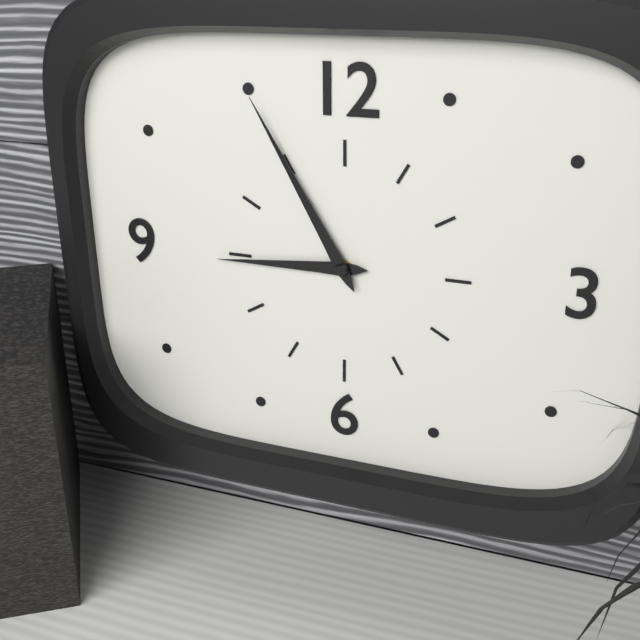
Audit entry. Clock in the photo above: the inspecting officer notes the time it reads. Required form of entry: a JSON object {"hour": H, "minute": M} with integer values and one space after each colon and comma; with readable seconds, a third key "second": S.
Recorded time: {"hour": 8, "minute": 55}
